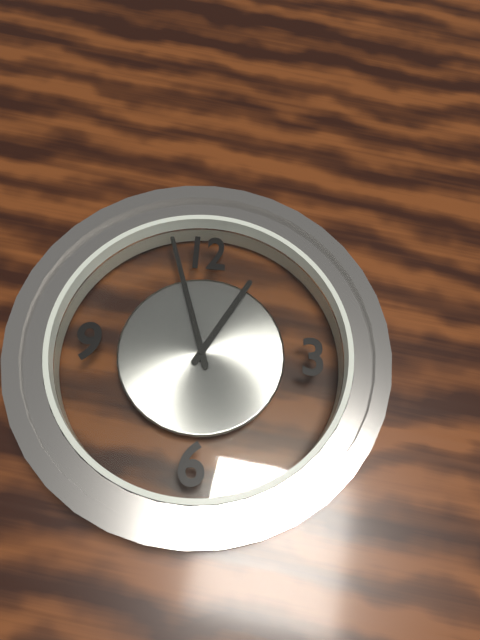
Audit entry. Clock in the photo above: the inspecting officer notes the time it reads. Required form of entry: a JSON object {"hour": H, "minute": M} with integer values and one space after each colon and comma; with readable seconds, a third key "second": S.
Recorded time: {"hour": 12, "minute": 57}
